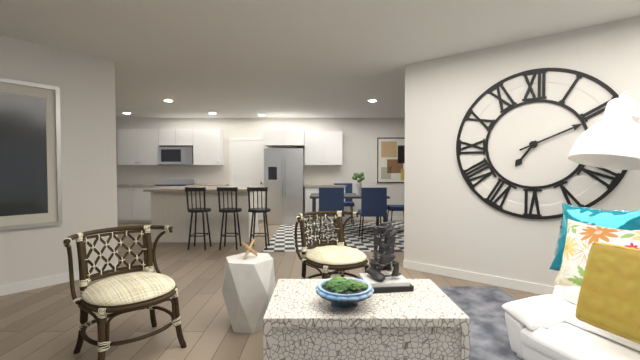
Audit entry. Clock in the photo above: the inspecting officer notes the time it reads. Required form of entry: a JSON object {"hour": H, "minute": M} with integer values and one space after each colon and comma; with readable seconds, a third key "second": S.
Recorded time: {"hour": 7, "minute": 11}
